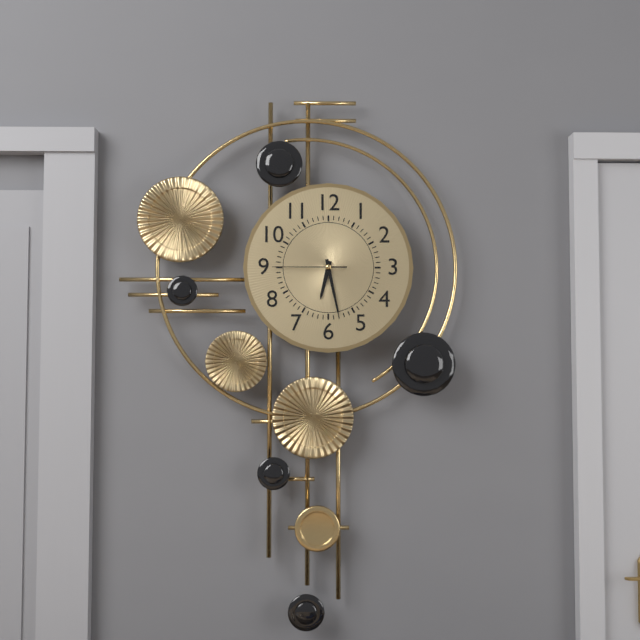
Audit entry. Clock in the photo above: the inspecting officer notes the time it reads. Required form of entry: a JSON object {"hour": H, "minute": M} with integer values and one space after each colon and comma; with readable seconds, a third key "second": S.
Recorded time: {"hour": 6, "minute": 28, "second": 45}
